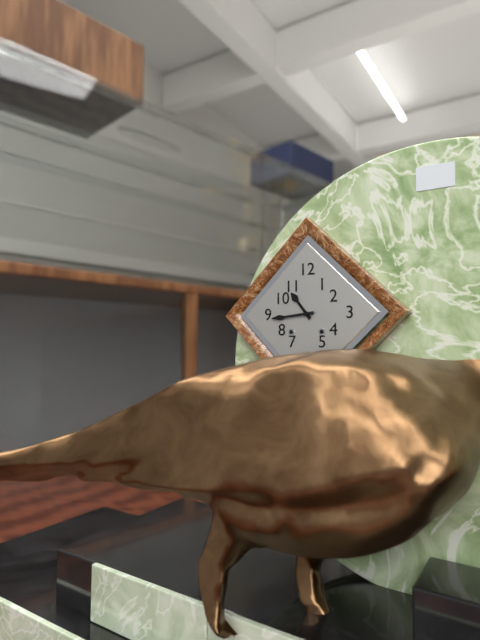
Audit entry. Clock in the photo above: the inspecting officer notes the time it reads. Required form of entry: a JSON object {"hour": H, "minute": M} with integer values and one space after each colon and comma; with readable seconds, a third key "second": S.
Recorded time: {"hour": 10, "minute": 44}
